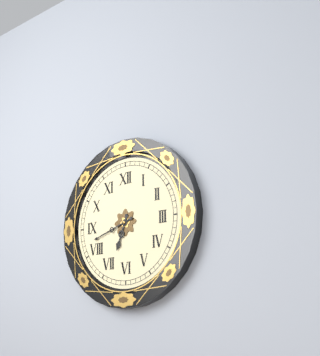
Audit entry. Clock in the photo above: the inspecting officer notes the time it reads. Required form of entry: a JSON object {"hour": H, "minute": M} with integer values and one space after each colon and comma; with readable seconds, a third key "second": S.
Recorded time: {"hour": 6, "minute": 42}
